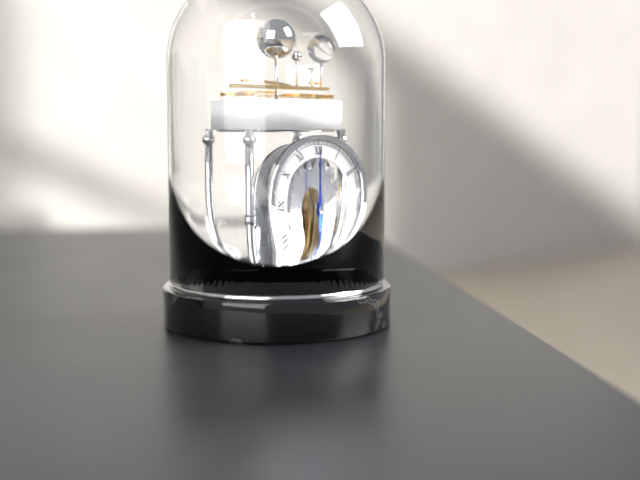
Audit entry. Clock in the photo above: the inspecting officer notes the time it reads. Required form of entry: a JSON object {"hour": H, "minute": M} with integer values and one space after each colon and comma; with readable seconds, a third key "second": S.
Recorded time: {"hour": 5, "minute": 0}
